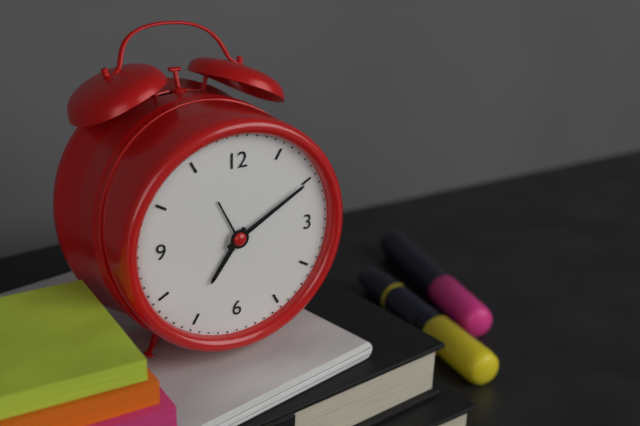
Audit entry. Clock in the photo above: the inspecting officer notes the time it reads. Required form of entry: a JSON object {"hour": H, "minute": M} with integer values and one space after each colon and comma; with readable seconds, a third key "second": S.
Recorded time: {"hour": 7, "minute": 10}
